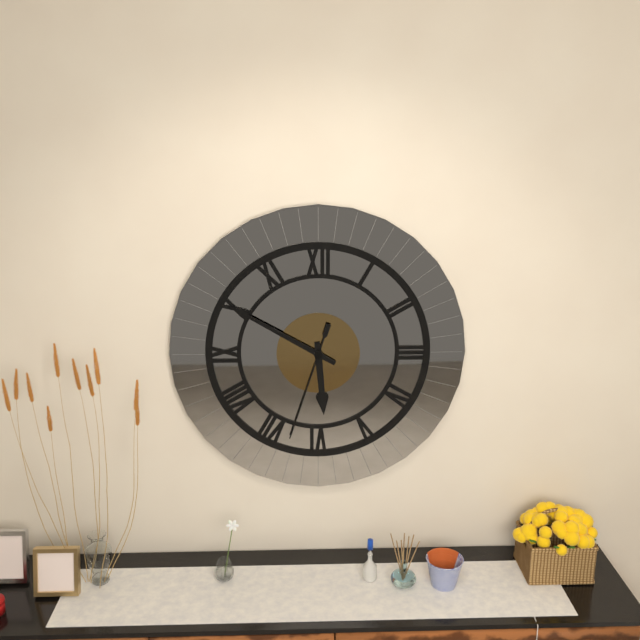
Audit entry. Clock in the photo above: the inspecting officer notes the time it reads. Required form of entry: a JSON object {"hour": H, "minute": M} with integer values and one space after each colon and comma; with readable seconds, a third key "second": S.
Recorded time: {"hour": 5, "minute": 50, "second": 33}
